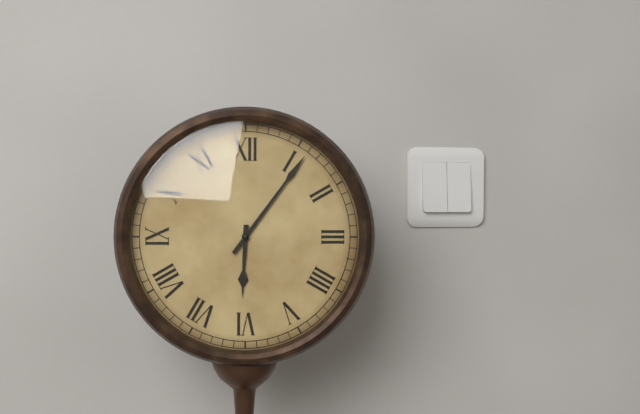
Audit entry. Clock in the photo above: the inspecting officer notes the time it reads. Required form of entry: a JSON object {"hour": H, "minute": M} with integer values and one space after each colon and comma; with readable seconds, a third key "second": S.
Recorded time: {"hour": 6, "minute": 6}
